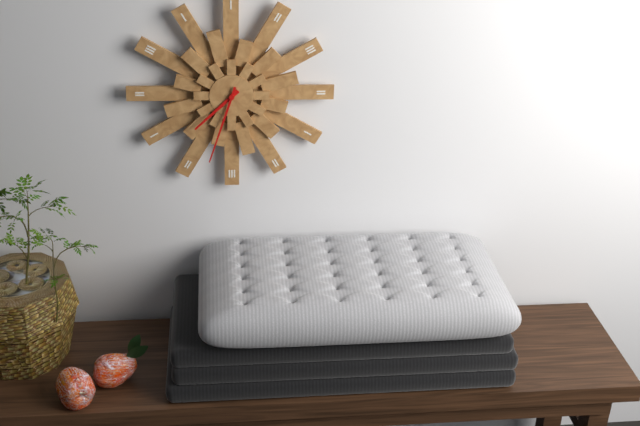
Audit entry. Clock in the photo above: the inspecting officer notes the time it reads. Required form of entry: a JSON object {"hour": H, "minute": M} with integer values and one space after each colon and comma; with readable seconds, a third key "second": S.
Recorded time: {"hour": 7, "minute": 33}
